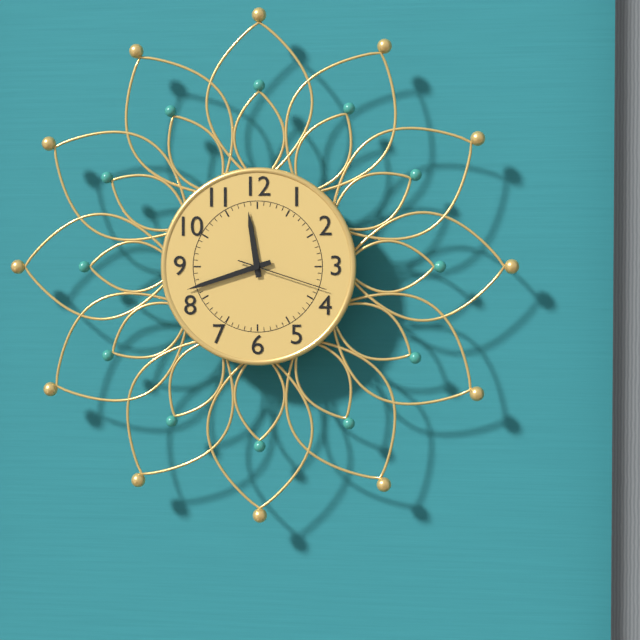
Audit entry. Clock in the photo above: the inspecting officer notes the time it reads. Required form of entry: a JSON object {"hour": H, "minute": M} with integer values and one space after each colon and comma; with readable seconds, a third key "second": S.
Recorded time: {"hour": 11, "minute": 42, "second": 18}
